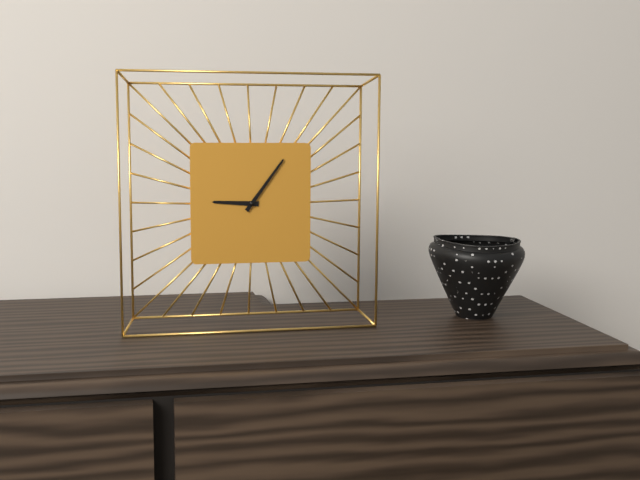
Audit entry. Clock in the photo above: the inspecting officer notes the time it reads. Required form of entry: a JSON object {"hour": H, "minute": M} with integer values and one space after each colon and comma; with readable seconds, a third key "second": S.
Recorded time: {"hour": 9, "minute": 6}
